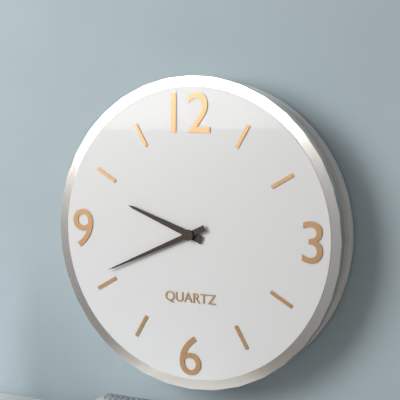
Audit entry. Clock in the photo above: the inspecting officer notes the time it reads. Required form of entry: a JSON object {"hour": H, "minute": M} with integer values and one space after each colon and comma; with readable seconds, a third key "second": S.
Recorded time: {"hour": 9, "minute": 41}
